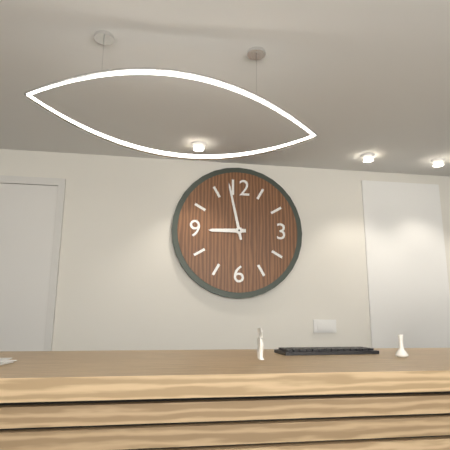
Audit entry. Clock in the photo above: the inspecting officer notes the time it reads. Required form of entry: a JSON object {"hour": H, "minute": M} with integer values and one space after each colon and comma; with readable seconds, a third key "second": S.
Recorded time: {"hour": 8, "minute": 58}
